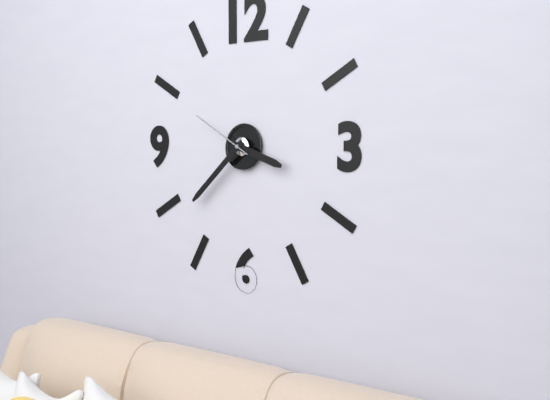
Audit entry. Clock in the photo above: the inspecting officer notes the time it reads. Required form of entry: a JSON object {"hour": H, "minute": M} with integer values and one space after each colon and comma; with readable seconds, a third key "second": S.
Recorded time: {"hour": 3, "minute": 38, "second": 50}
